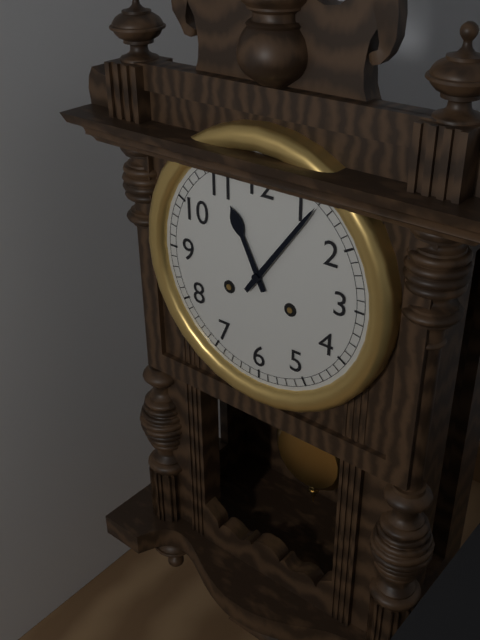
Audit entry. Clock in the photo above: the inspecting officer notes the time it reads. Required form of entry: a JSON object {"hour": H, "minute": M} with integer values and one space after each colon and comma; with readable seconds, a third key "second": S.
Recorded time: {"hour": 11, "minute": 6}
